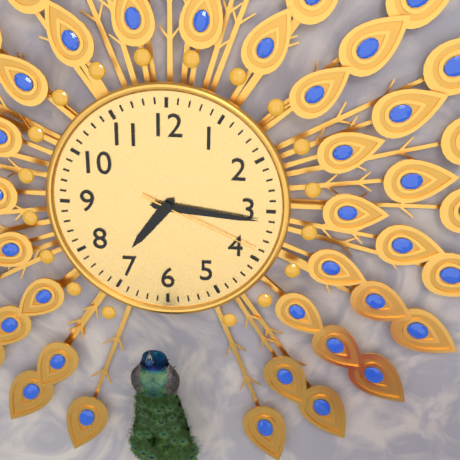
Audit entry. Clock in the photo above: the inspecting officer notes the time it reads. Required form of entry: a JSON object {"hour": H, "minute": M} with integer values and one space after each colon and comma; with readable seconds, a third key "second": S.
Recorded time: {"hour": 7, "minute": 16, "second": 19}
